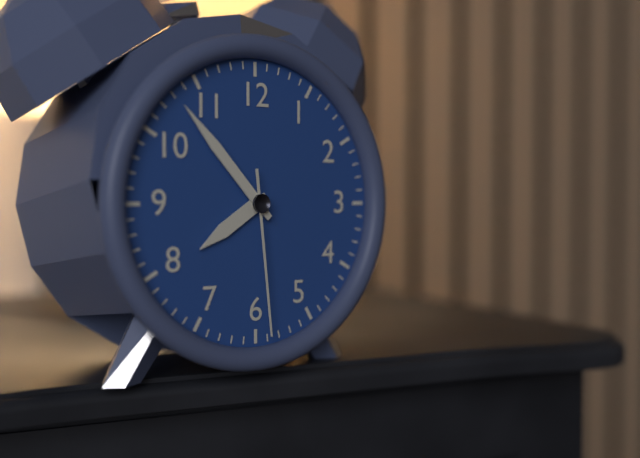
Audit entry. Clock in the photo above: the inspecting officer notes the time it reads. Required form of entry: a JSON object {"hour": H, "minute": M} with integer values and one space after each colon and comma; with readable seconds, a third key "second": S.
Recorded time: {"hour": 7, "minute": 53, "second": 29}
